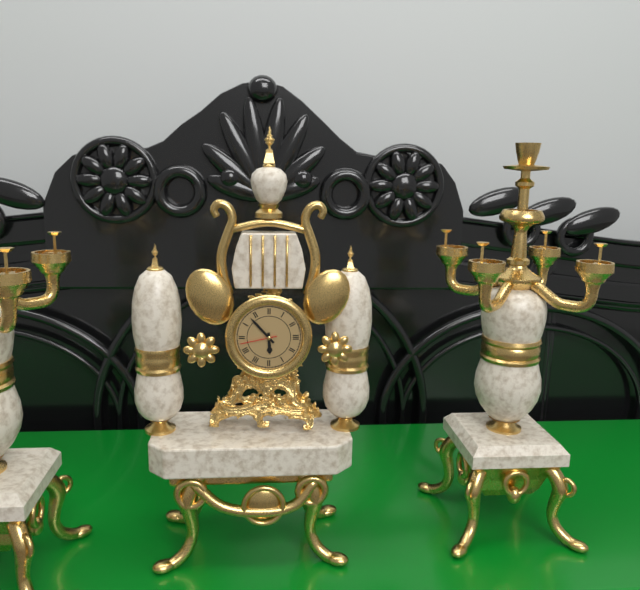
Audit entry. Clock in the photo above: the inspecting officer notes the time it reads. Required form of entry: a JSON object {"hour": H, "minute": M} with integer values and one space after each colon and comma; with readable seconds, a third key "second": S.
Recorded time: {"hour": 5, "minute": 53}
